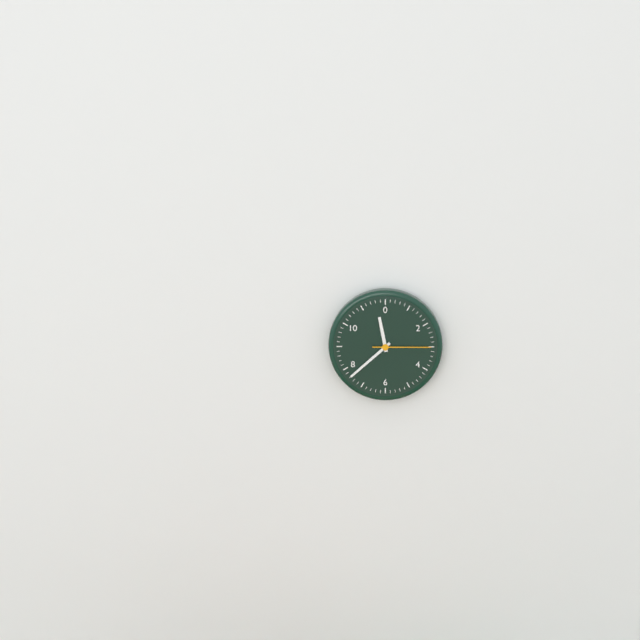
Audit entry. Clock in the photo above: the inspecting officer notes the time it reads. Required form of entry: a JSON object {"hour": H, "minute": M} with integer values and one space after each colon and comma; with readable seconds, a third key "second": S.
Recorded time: {"hour": 11, "minute": 38, "second": 15}
